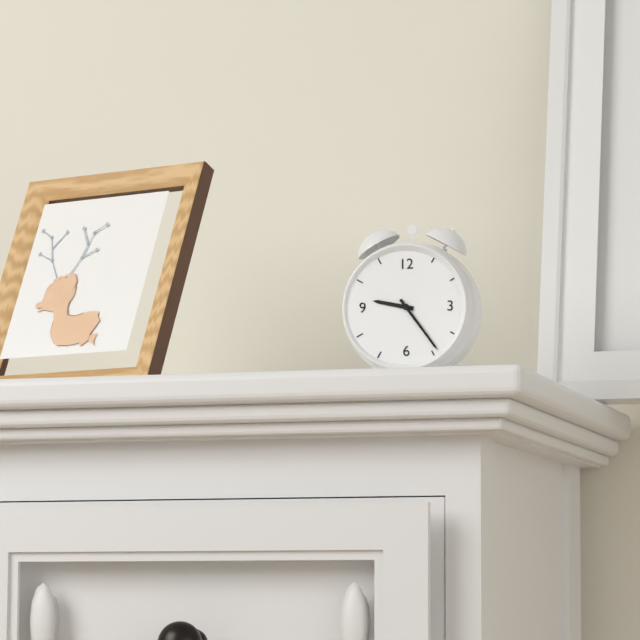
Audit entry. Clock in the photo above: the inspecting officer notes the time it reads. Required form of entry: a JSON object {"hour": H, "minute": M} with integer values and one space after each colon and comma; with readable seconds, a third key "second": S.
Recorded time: {"hour": 9, "minute": 24}
